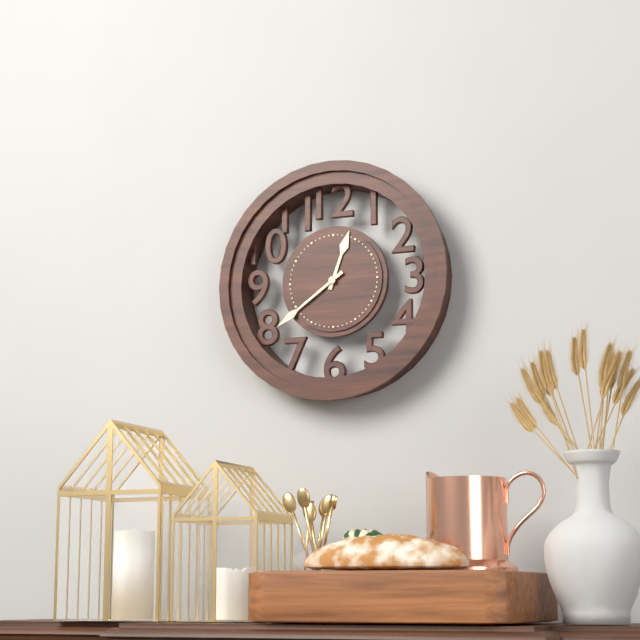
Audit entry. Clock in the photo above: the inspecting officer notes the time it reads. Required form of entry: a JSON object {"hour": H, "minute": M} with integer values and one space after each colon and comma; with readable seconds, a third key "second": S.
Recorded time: {"hour": 12, "minute": 39}
